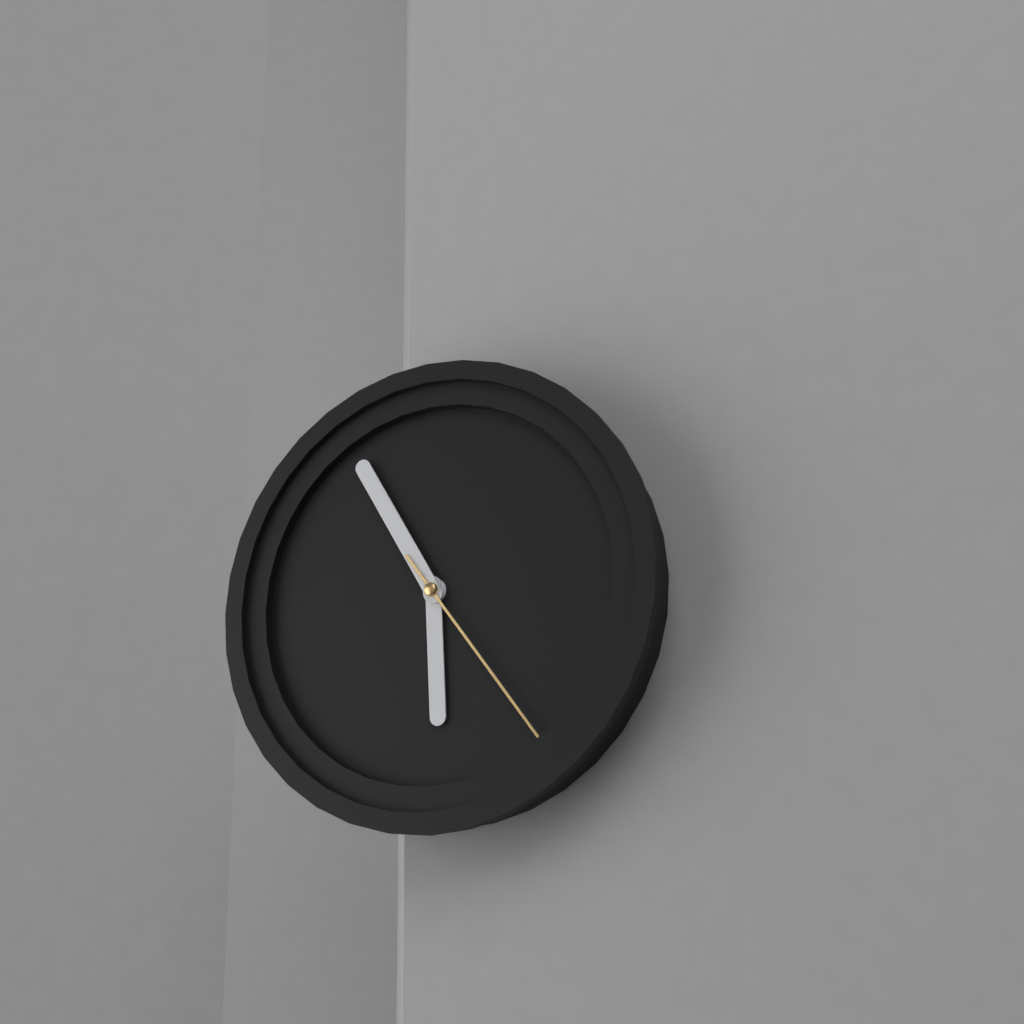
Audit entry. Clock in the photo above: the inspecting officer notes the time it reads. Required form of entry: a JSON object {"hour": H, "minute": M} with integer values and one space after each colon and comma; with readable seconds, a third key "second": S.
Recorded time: {"hour": 5, "minute": 55, "second": 24}
